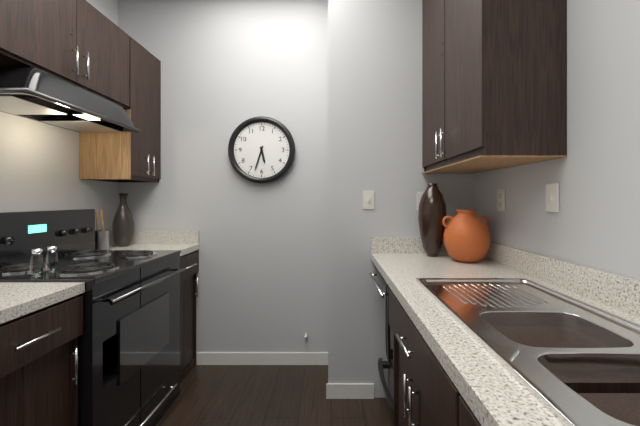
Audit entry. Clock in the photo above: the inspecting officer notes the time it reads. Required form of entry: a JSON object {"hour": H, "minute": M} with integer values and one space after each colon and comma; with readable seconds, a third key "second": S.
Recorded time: {"hour": 5, "minute": 33}
